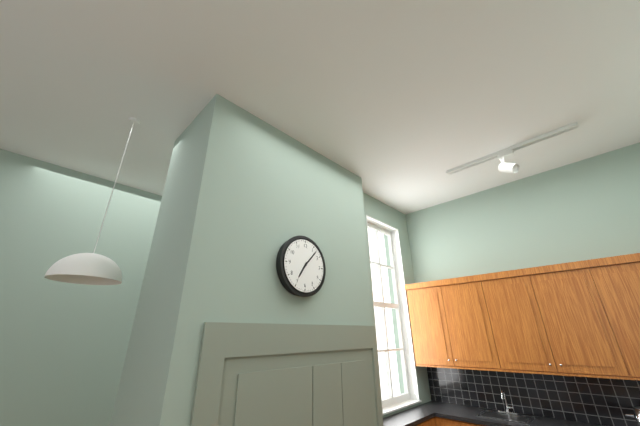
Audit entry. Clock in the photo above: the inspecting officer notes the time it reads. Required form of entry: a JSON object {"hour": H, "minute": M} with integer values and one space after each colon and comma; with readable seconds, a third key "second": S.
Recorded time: {"hour": 7, "minute": 7}
